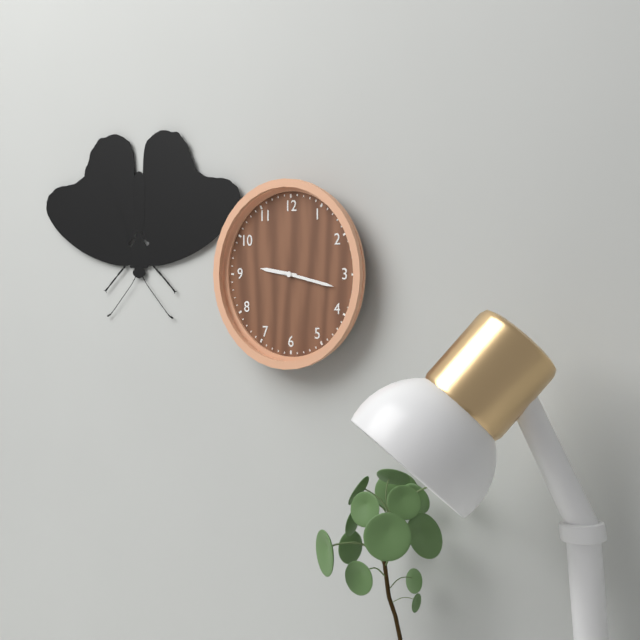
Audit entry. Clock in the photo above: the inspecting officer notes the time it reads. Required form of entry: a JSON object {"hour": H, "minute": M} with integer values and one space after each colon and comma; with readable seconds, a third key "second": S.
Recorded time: {"hour": 9, "minute": 17}
